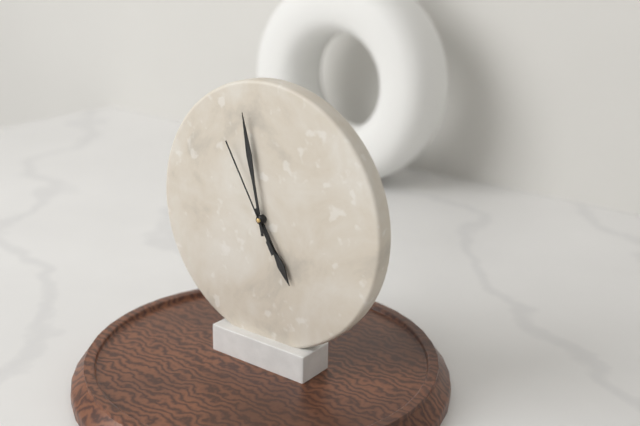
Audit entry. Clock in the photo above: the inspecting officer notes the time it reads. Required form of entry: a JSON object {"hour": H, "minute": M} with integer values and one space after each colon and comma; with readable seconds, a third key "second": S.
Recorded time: {"hour": 4, "minute": 58, "second": 55}
